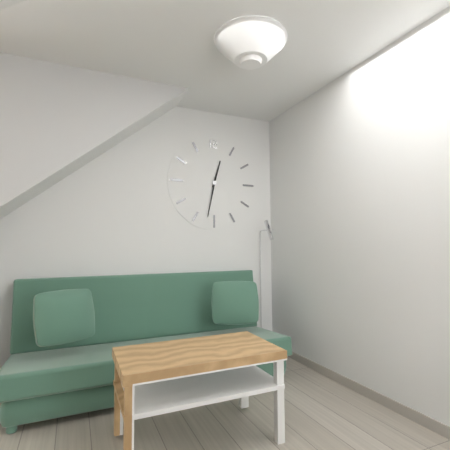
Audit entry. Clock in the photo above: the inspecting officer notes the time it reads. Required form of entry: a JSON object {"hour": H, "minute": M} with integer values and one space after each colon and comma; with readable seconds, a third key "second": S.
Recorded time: {"hour": 12, "minute": 32}
